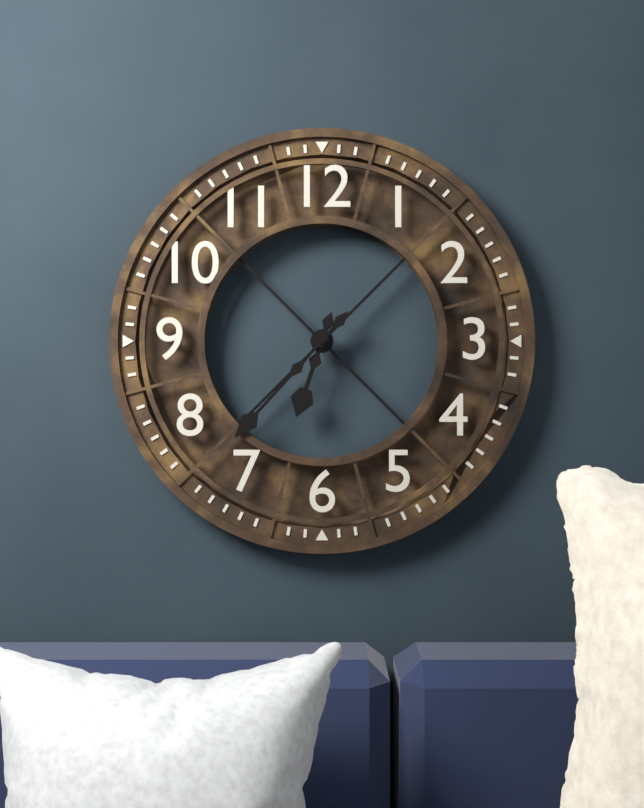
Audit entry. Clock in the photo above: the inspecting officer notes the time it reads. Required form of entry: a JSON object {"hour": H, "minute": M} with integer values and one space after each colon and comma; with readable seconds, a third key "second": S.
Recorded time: {"hour": 6, "minute": 37}
